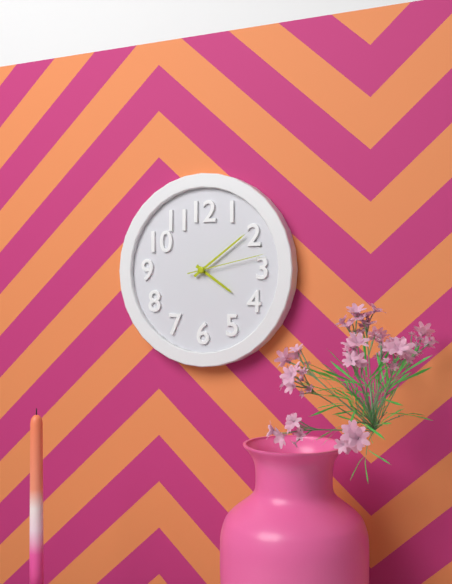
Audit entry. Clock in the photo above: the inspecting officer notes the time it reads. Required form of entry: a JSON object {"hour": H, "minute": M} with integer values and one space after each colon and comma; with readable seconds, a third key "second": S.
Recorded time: {"hour": 4, "minute": 9, "second": 13}
